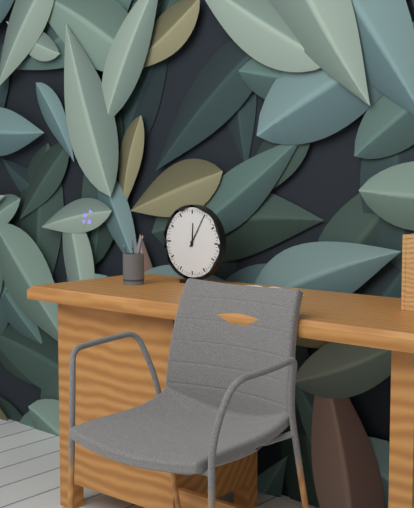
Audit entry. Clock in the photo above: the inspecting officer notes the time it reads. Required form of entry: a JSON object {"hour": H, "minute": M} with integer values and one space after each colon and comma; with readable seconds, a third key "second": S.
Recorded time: {"hour": 12, "minute": 5}
